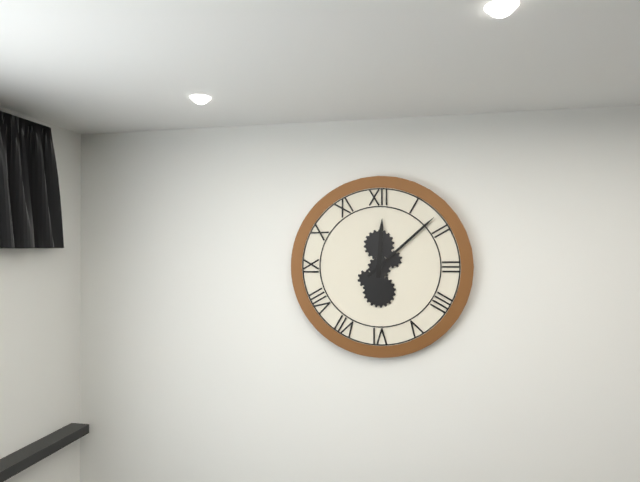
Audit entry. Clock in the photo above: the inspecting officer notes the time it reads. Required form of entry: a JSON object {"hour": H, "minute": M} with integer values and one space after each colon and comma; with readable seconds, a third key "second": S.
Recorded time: {"hour": 12, "minute": 8}
